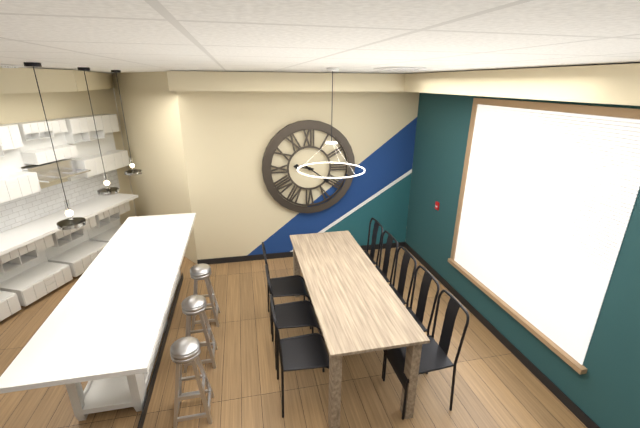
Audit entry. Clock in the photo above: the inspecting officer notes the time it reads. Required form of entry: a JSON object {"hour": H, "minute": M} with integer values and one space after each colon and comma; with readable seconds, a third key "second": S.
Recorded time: {"hour": 9, "minute": 21}
